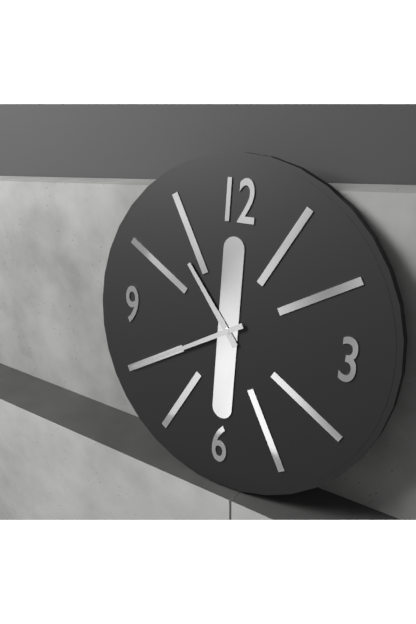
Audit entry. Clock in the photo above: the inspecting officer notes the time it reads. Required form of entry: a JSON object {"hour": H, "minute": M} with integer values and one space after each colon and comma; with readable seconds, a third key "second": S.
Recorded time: {"hour": 10, "minute": 40}
